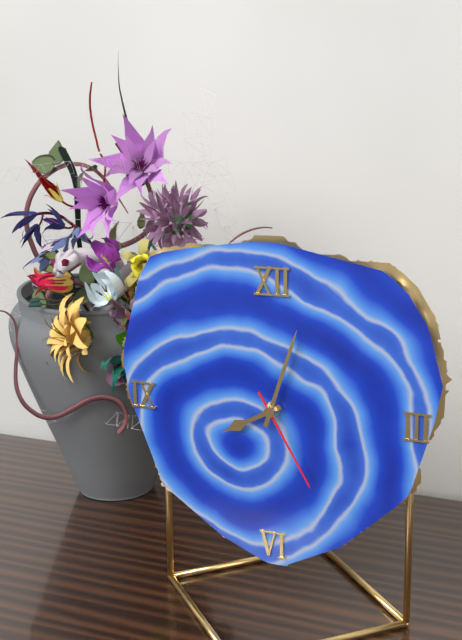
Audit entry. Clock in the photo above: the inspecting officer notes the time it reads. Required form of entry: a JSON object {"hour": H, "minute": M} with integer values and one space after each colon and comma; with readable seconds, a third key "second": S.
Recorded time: {"hour": 8, "minute": 3, "second": 25}
